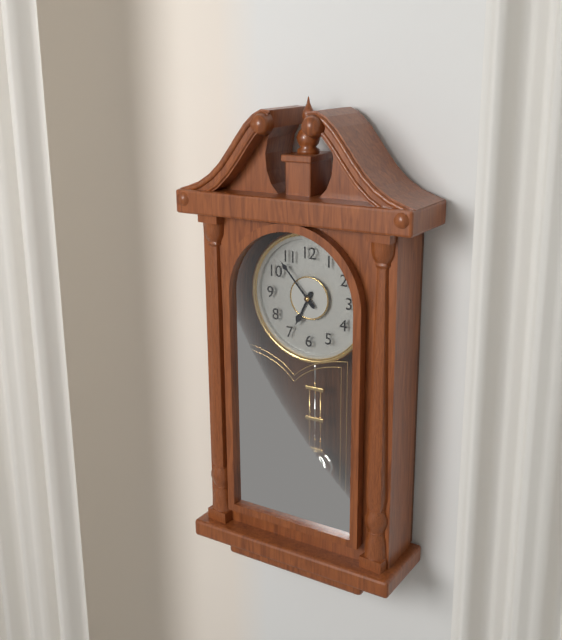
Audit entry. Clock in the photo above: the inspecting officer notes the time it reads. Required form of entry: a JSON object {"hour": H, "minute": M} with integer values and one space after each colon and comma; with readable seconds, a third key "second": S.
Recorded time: {"hour": 6, "minute": 53}
